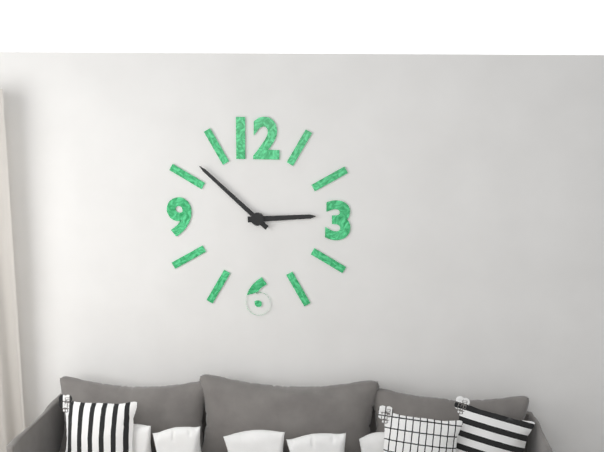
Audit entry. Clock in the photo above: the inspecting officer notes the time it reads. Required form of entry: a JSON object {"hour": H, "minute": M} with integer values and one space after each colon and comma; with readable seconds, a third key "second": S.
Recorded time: {"hour": 2, "minute": 52}
